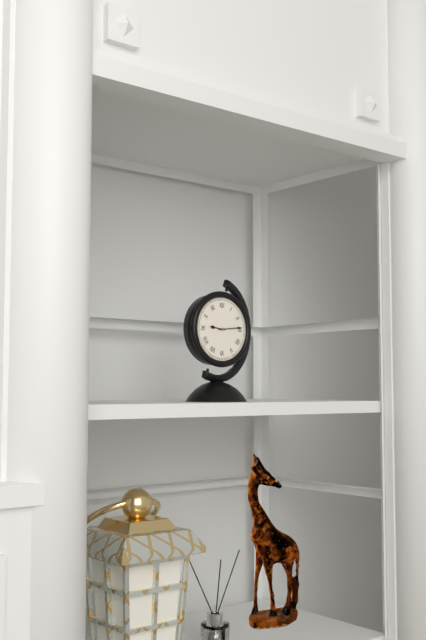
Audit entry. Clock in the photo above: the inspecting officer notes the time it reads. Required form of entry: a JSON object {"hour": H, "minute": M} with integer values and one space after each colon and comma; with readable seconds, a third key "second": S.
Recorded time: {"hour": 9, "minute": 14}
